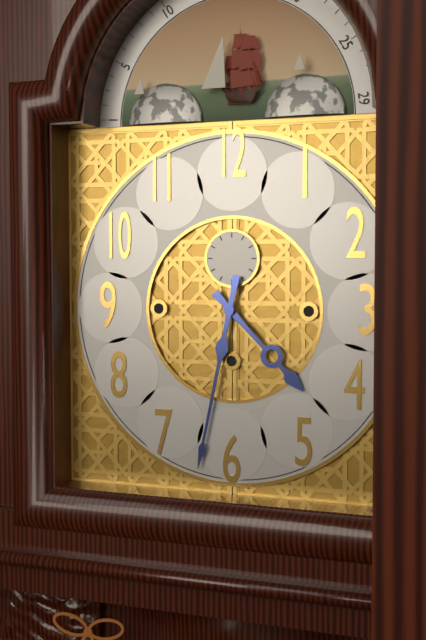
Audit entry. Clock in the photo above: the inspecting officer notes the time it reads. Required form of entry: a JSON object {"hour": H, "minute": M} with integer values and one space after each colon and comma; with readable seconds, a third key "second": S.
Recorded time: {"hour": 4, "minute": 32}
